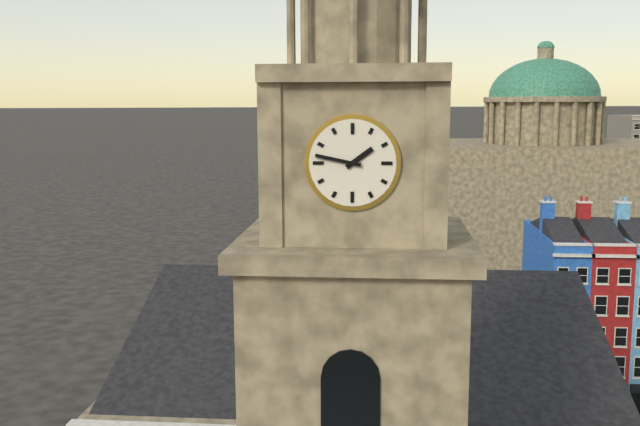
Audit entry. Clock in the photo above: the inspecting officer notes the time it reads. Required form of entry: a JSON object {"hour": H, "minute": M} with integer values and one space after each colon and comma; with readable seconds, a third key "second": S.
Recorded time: {"hour": 1, "minute": 47}
